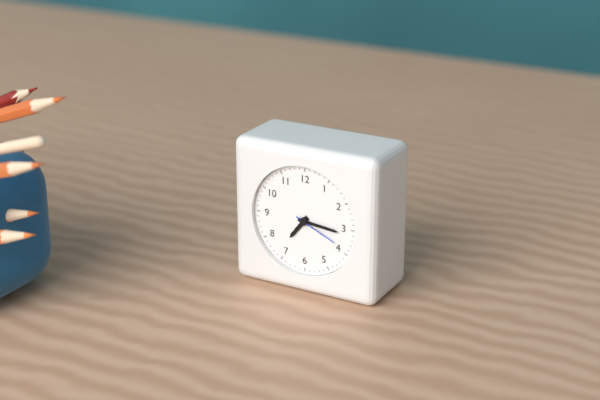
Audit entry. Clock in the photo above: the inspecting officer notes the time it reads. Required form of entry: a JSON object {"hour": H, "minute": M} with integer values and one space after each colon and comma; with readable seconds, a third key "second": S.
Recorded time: {"hour": 7, "minute": 16}
